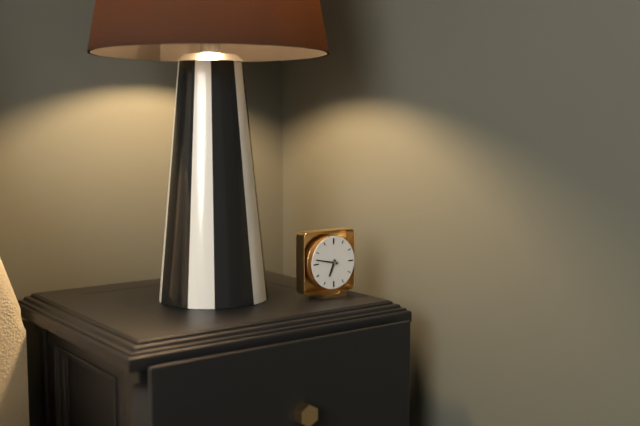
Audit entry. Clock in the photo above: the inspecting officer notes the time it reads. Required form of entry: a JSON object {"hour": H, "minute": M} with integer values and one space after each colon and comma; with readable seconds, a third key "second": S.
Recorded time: {"hour": 6, "minute": 47}
